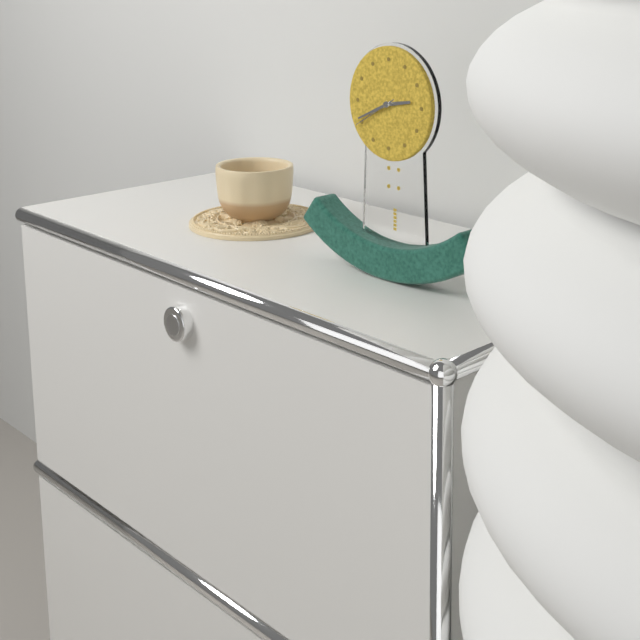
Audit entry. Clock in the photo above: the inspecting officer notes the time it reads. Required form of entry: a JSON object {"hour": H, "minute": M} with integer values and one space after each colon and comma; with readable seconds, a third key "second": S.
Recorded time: {"hour": 2, "minute": 41}
